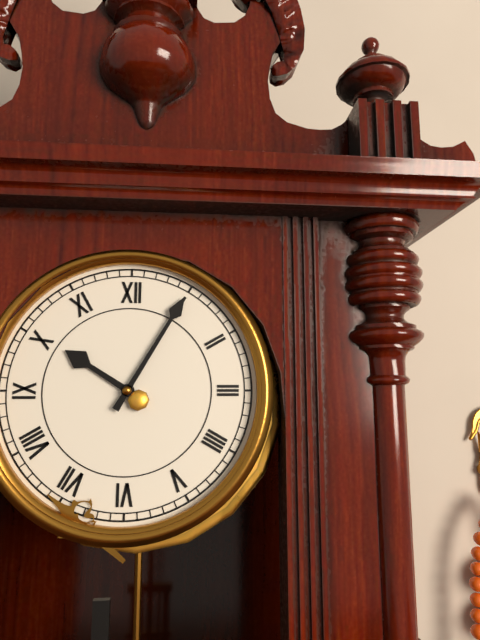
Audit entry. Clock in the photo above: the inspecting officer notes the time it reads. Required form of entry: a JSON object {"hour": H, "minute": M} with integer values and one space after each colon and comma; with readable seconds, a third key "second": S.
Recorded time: {"hour": 10, "minute": 5}
